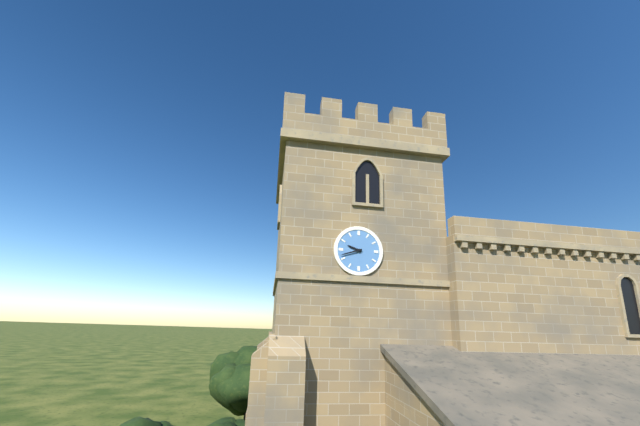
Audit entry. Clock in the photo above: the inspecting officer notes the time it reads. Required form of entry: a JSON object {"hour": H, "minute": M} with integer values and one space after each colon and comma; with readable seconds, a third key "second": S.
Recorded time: {"hour": 9, "minute": 42}
